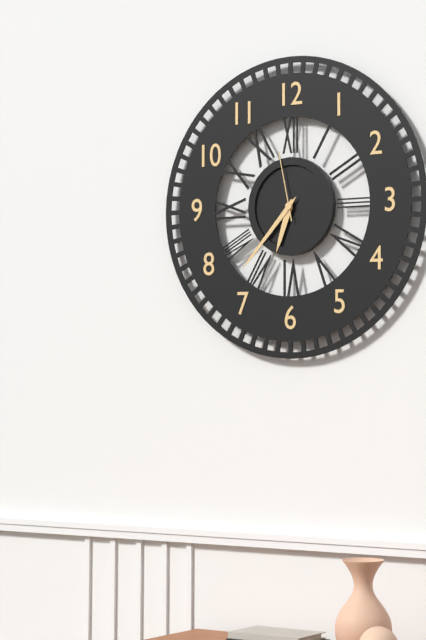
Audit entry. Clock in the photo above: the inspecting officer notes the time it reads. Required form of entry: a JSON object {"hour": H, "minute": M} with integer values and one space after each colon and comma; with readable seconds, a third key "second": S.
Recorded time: {"hour": 6, "minute": 37, "second": 58}
